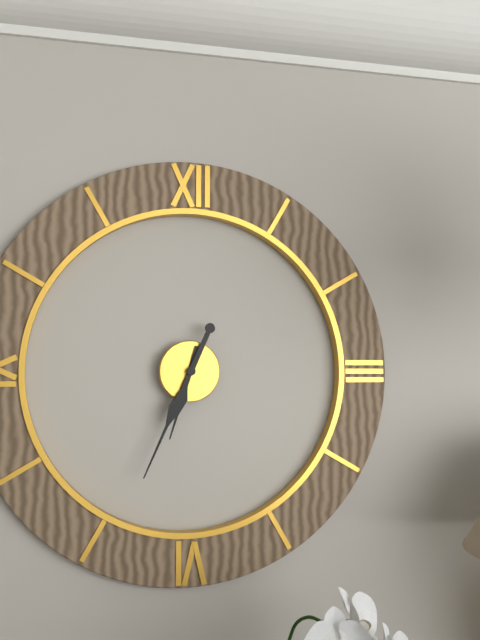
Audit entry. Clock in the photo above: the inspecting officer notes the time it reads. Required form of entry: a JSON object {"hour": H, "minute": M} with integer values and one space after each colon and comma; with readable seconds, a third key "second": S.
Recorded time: {"hour": 6, "minute": 34}
